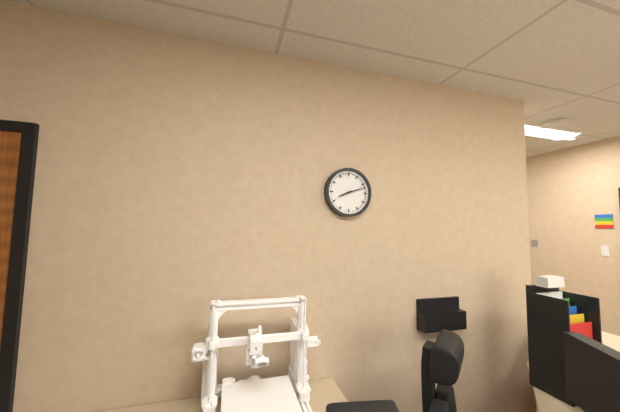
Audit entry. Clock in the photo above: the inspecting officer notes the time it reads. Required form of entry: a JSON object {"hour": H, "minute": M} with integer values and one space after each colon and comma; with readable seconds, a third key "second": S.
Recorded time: {"hour": 8, "minute": 12}
